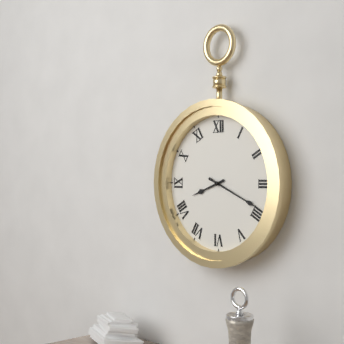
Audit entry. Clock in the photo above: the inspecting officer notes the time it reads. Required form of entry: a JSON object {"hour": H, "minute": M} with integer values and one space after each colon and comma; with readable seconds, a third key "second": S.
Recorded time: {"hour": 8, "minute": 19}
